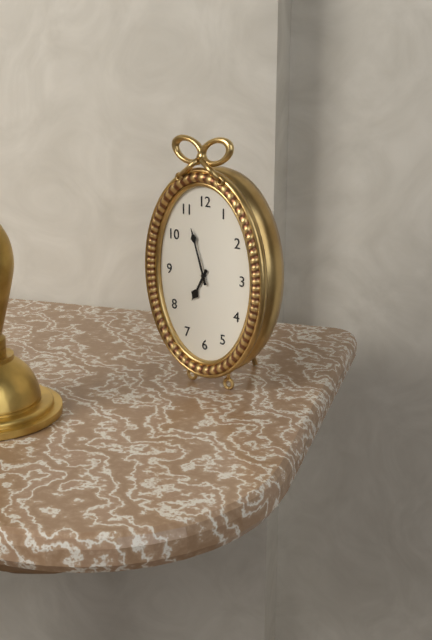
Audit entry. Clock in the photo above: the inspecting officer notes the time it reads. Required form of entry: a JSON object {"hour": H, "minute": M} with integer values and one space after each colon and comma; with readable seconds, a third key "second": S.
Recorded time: {"hour": 6, "minute": 57}
